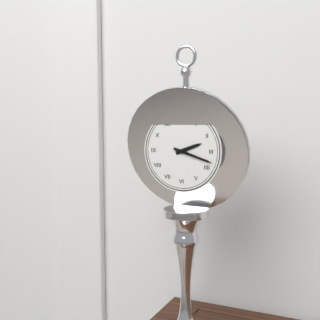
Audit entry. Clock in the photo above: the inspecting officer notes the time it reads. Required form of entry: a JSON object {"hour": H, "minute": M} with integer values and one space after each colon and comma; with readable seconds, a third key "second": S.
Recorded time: {"hour": 2, "minute": 18}
